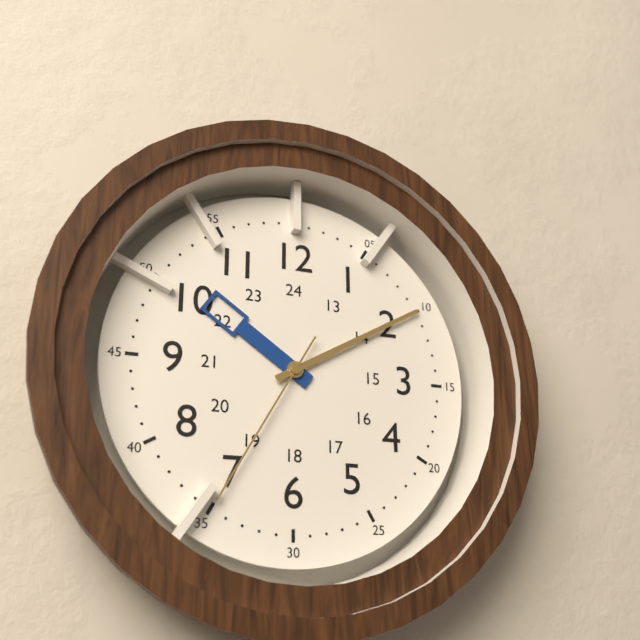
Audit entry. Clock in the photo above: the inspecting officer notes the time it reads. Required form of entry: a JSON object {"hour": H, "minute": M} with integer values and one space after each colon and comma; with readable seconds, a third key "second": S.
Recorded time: {"hour": 10, "minute": 10, "second": 35}
